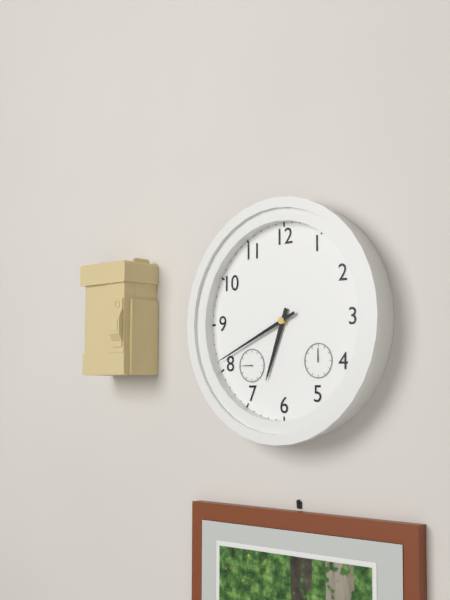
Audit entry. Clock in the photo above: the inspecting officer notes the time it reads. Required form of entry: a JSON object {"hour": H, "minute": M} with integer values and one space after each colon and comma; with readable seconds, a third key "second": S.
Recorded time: {"hour": 6, "minute": 41}
